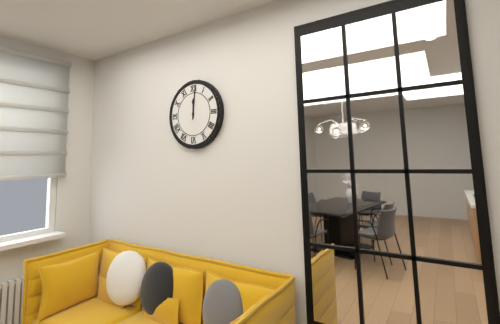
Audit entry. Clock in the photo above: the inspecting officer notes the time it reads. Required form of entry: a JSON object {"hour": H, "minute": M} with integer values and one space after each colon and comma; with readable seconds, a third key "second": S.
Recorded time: {"hour": 12, "minute": 1}
